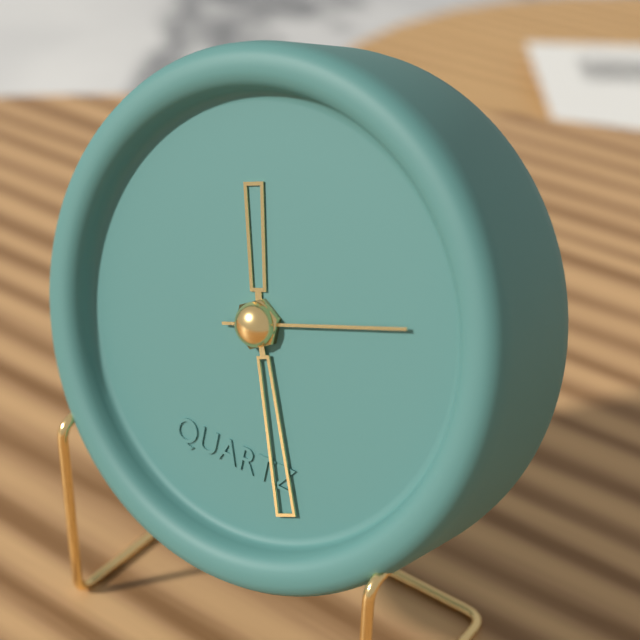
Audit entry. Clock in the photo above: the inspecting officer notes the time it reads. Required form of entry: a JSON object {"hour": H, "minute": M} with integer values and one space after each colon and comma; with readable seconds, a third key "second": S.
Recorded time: {"hour": 11, "minute": 26, "second": 12}
